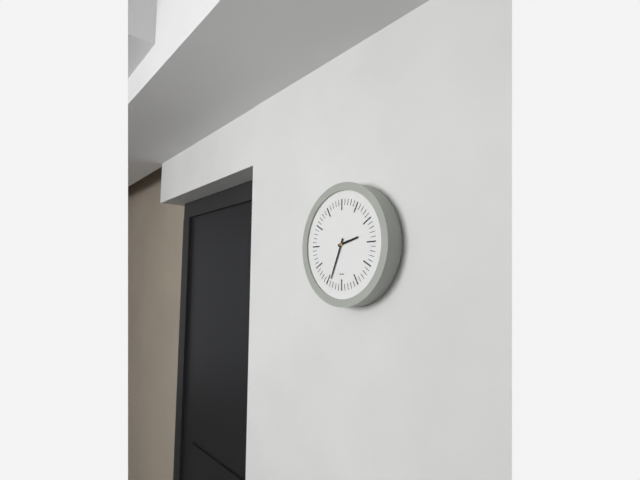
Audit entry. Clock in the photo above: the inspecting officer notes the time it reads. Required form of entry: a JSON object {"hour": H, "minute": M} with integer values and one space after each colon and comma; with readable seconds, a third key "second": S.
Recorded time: {"hour": 2, "minute": 34}
